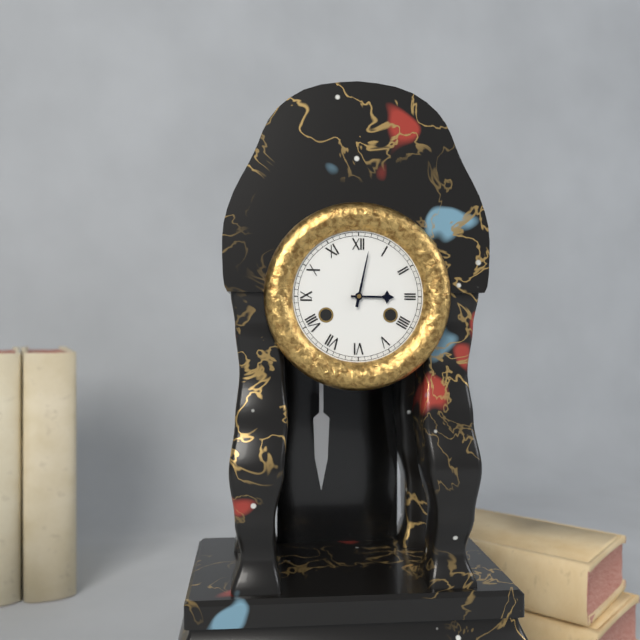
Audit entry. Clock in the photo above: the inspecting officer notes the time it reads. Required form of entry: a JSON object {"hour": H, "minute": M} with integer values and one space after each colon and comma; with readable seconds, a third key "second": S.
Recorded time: {"hour": 3, "minute": 2}
